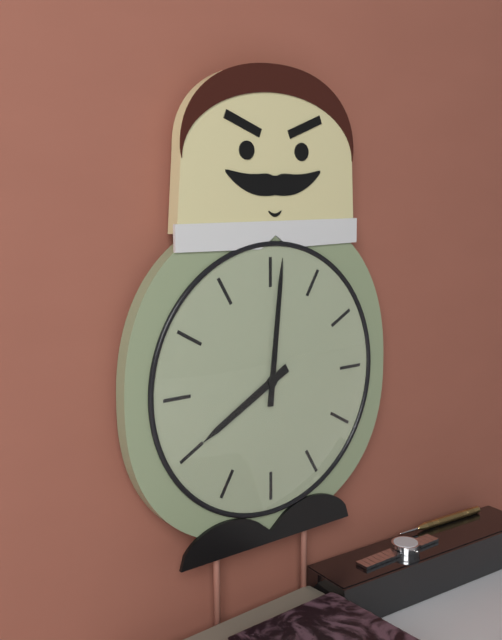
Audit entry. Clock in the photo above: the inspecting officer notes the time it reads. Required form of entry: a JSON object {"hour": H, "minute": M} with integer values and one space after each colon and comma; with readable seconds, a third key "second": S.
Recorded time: {"hour": 8, "minute": 1}
